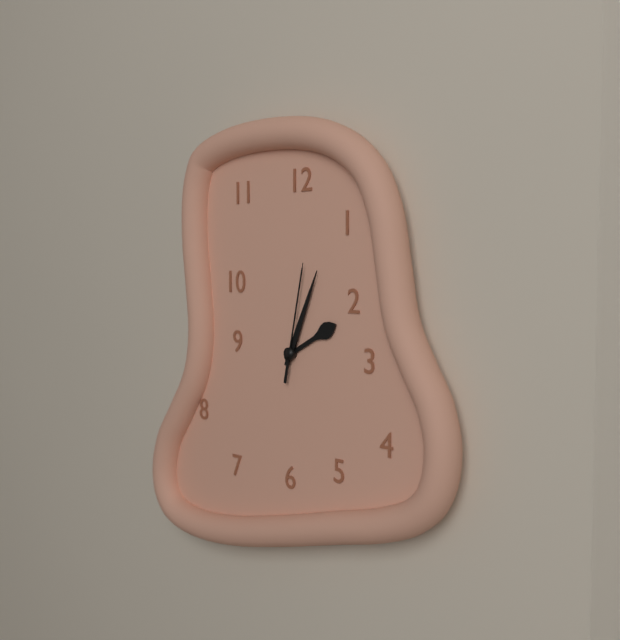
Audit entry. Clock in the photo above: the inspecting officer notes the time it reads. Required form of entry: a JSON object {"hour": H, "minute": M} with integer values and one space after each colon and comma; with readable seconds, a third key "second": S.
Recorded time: {"hour": 2, "minute": 4, "second": 2}
